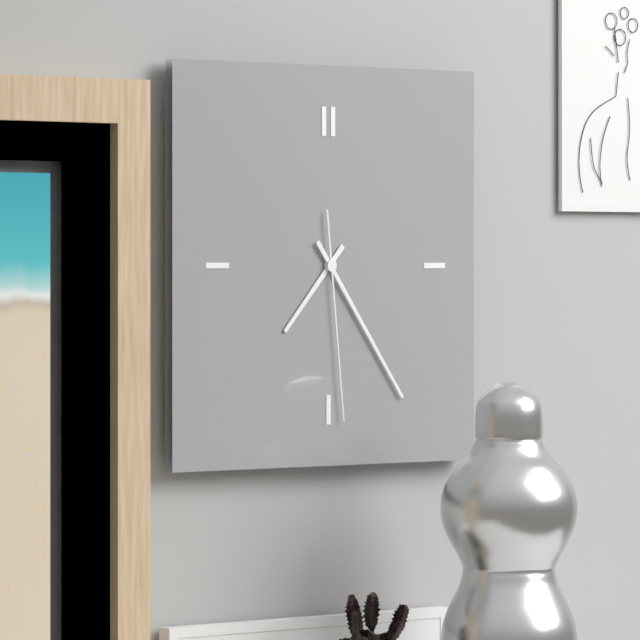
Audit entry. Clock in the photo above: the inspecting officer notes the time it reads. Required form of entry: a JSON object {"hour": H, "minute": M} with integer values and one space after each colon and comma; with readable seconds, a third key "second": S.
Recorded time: {"hour": 7, "minute": 24, "second": 29}
